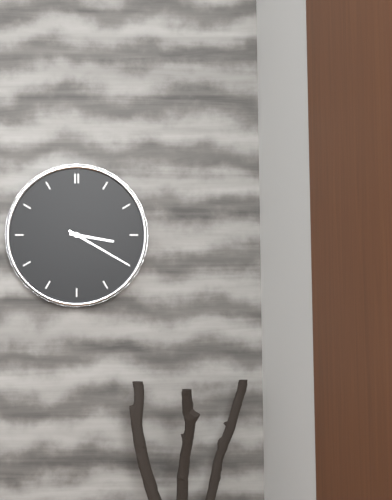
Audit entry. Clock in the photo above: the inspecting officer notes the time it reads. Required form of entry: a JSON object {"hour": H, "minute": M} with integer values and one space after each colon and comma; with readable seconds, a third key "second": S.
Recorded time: {"hour": 3, "minute": 20}
